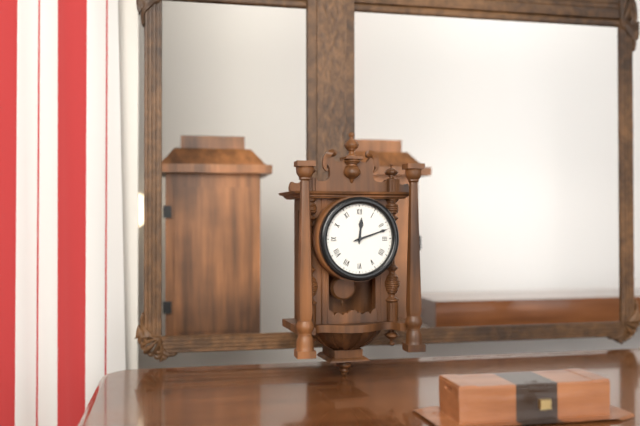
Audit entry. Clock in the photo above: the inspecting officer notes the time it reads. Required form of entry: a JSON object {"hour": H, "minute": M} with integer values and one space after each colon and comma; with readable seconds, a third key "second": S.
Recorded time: {"hour": 12, "minute": 12}
